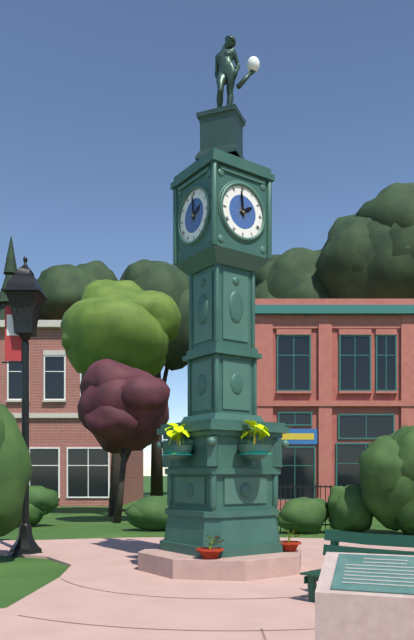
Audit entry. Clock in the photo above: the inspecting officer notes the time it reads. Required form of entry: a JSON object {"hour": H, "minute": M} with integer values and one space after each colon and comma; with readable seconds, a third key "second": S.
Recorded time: {"hour": 1, "minute": 59}
